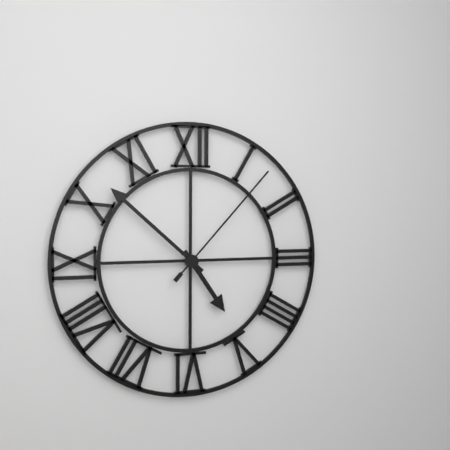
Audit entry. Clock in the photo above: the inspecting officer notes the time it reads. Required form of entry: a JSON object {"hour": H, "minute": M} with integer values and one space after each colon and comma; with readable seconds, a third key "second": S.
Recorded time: {"hour": 4, "minute": 52, "second": 7}
